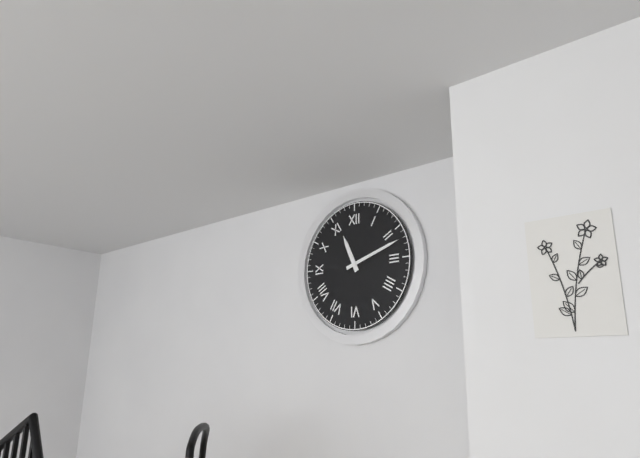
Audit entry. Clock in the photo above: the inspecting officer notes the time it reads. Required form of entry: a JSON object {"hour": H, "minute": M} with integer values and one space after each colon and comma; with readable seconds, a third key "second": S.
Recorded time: {"hour": 11, "minute": 12}
